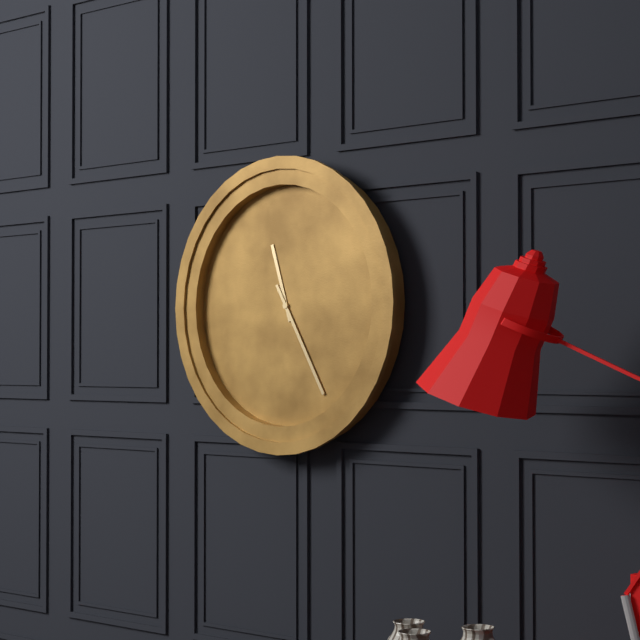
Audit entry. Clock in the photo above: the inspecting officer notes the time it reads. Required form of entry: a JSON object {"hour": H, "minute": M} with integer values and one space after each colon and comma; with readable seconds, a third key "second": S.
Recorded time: {"hour": 11, "minute": 25}
